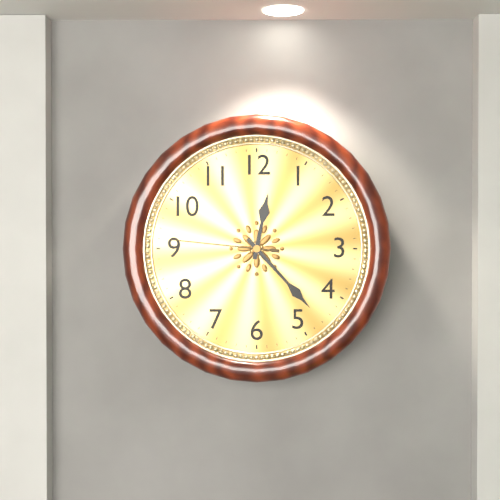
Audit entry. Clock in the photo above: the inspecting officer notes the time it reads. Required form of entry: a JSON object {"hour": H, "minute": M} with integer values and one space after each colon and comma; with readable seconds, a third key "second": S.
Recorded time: {"hour": 12, "minute": 23, "second": 46}
